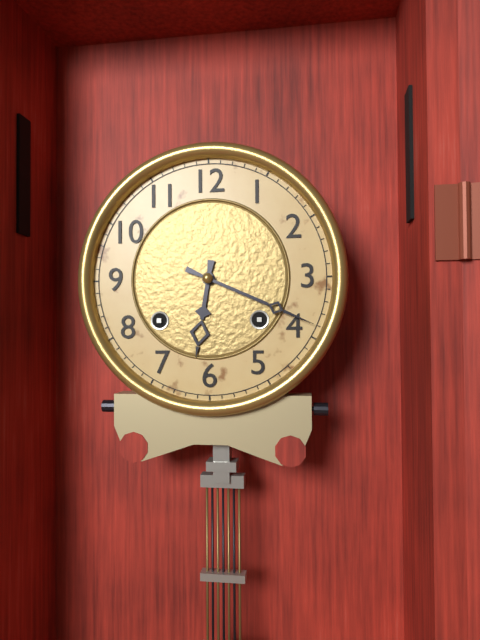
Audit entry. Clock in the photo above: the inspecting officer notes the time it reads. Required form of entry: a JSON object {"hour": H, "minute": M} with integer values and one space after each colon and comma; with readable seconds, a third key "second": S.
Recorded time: {"hour": 6, "minute": 19}
